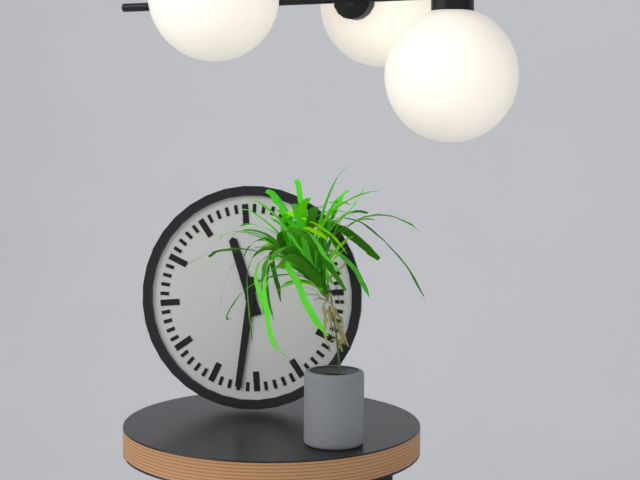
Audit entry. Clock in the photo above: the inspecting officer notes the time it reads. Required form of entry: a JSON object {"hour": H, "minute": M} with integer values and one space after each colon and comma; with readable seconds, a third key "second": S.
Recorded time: {"hour": 11, "minute": 32}
